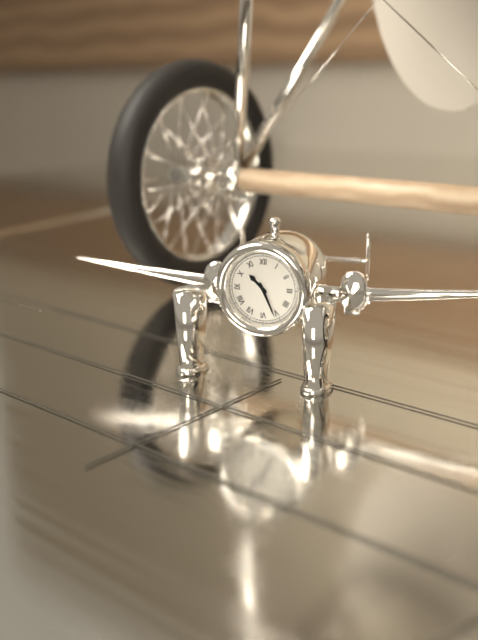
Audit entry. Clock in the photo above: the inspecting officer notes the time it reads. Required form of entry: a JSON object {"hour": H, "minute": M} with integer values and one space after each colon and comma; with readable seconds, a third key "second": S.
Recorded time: {"hour": 10, "minute": 26}
